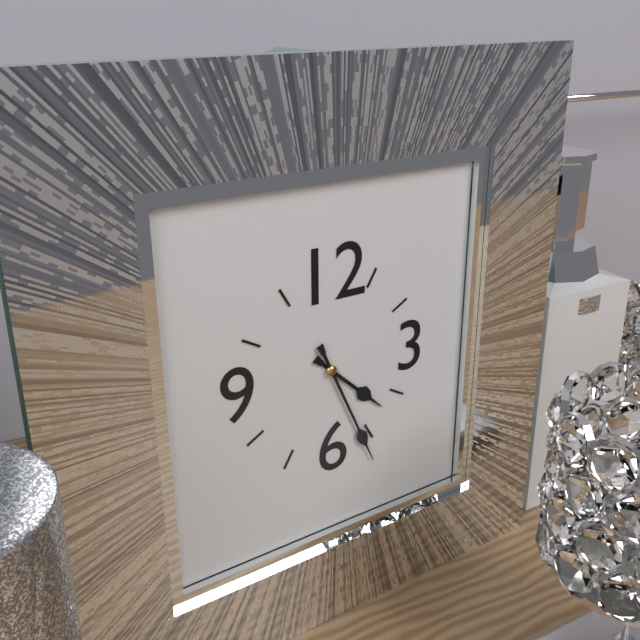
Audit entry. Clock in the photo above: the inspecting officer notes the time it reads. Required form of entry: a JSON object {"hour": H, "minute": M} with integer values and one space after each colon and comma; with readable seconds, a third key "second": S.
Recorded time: {"hour": 4, "minute": 26}
